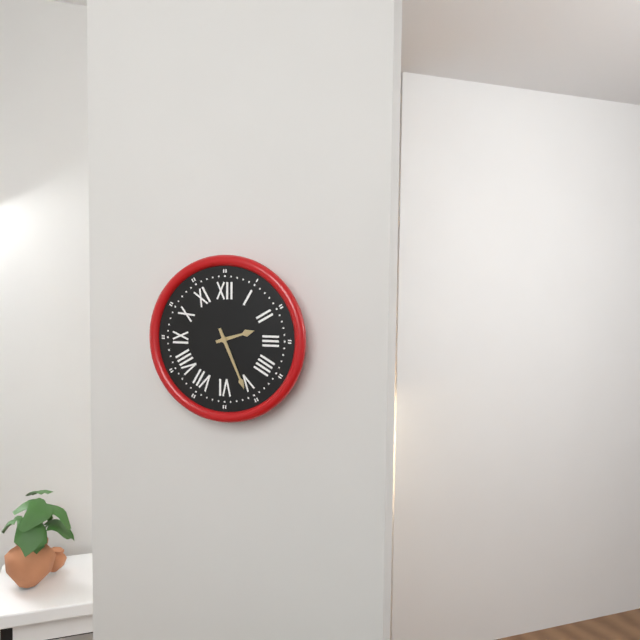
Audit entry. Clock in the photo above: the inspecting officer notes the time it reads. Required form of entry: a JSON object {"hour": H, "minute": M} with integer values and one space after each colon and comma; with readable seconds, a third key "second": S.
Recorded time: {"hour": 2, "minute": 26}
